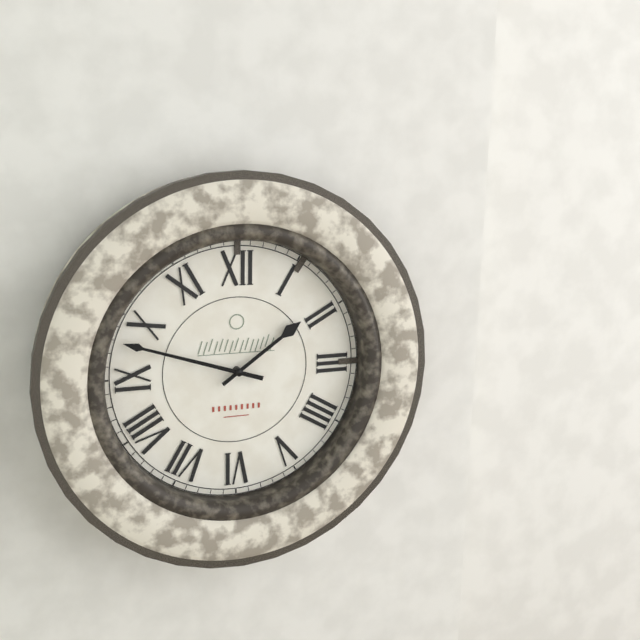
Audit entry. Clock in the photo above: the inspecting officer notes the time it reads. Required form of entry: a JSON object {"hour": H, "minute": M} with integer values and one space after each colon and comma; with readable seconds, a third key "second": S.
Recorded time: {"hour": 1, "minute": 48}
